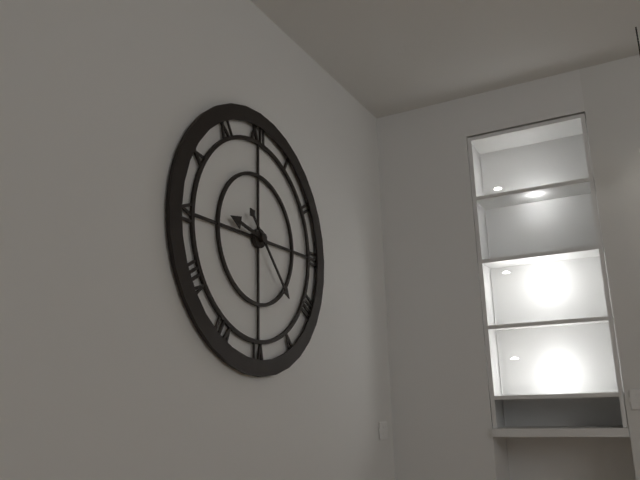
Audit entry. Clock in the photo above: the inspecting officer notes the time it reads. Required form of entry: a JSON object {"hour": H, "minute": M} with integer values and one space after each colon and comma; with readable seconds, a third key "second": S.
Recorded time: {"hour": 9, "minute": 23}
